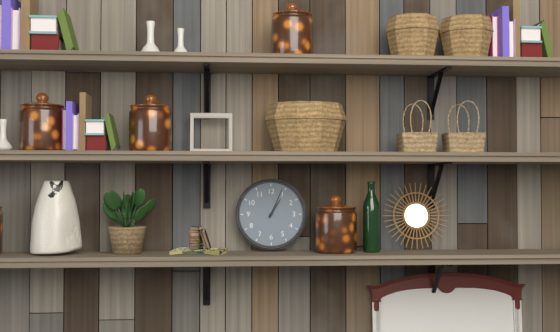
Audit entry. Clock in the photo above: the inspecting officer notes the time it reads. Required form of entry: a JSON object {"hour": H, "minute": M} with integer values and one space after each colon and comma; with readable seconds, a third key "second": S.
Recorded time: {"hour": 1, "minute": 4}
